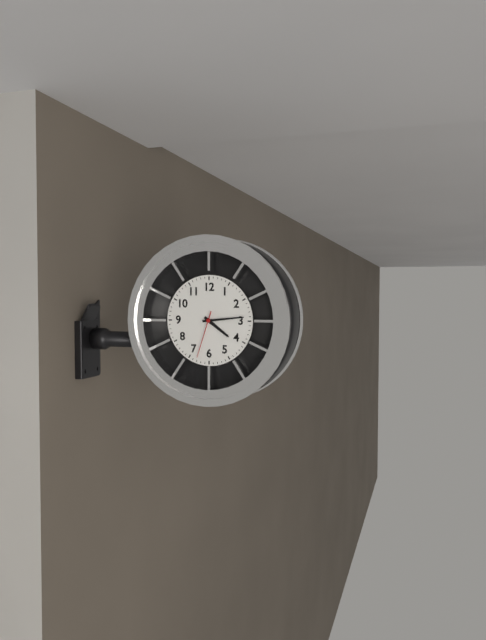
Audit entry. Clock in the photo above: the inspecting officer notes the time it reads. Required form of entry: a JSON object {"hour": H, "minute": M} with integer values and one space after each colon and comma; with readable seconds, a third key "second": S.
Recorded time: {"hour": 4, "minute": 14, "second": 33}
